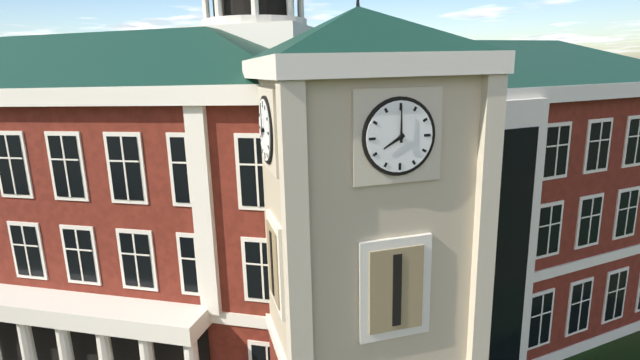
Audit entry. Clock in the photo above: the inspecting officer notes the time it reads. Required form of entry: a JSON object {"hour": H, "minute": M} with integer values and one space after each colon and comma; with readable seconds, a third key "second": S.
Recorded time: {"hour": 8, "minute": 0}
